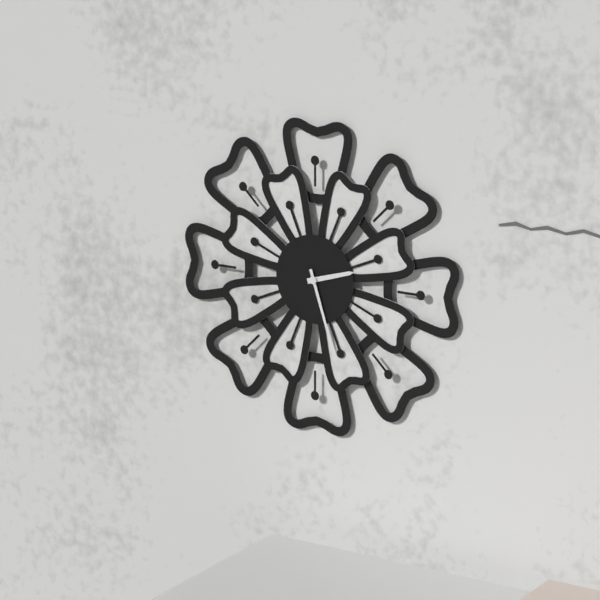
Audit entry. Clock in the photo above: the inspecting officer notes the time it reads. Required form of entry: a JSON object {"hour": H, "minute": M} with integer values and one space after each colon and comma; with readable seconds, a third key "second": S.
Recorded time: {"hour": 2, "minute": 27}
